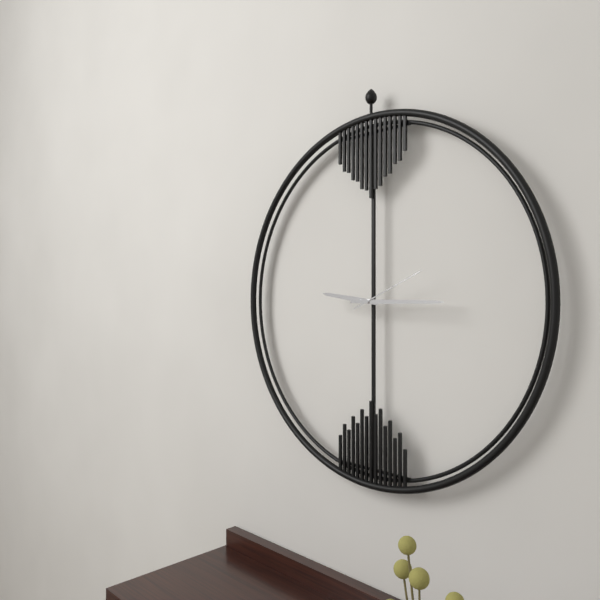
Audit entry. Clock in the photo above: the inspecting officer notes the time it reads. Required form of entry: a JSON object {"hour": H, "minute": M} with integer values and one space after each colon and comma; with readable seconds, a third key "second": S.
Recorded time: {"hour": 9, "minute": 15, "second": 11}
